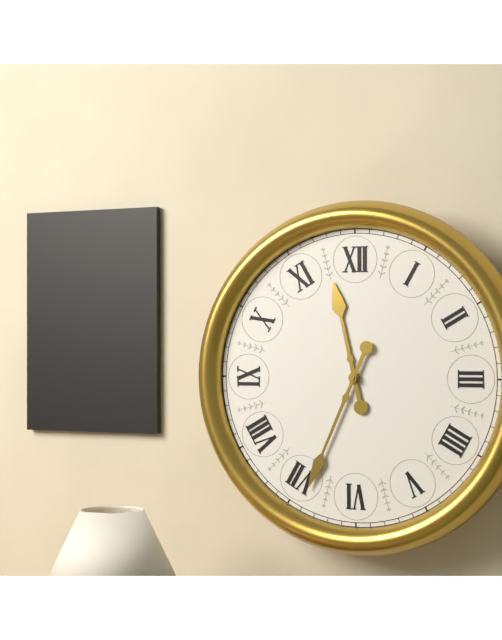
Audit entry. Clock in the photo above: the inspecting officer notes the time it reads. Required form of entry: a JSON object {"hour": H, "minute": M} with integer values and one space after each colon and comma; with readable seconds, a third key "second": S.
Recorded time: {"hour": 11, "minute": 34}
